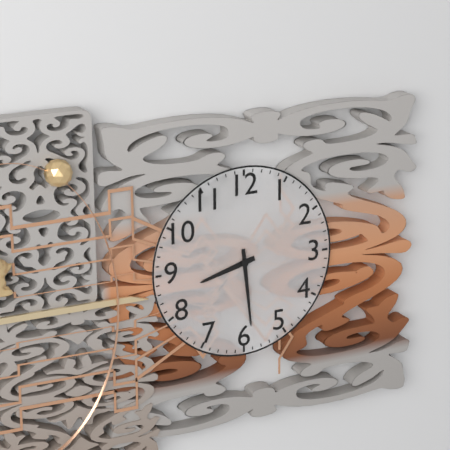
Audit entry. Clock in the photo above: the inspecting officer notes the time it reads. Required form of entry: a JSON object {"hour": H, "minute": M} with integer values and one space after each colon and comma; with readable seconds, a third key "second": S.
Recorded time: {"hour": 8, "minute": 29}
